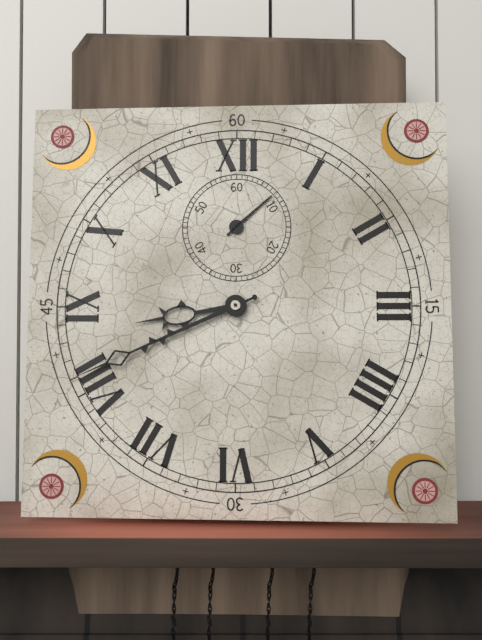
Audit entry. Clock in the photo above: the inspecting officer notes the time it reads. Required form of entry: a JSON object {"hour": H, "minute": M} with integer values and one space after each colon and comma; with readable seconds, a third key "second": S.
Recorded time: {"hour": 8, "minute": 41, "second": 8}
